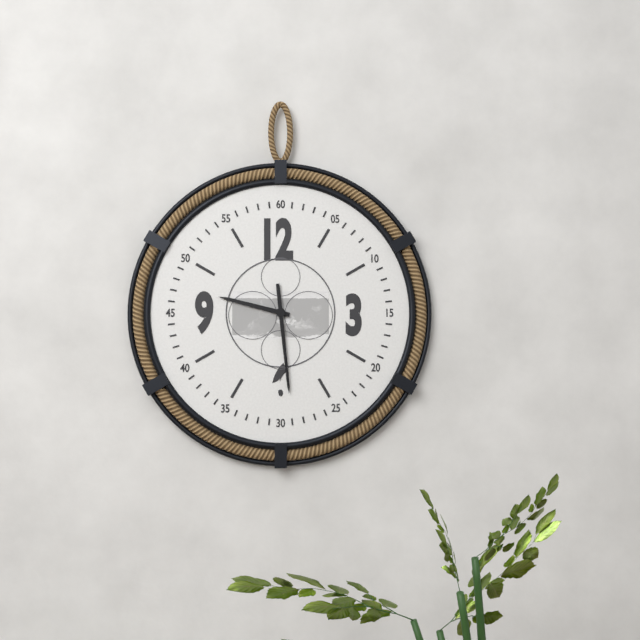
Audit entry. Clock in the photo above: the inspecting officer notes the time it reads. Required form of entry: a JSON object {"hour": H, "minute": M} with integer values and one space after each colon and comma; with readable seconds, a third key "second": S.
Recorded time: {"hour": 9, "minute": 29}
